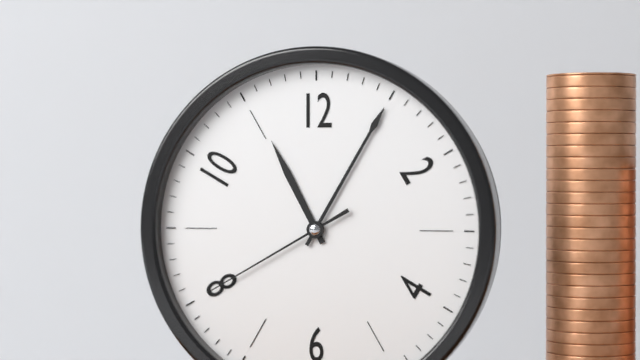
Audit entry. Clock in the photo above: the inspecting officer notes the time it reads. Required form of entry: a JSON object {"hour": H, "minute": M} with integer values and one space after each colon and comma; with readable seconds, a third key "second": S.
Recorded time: {"hour": 11, "minute": 5, "second": 40}
